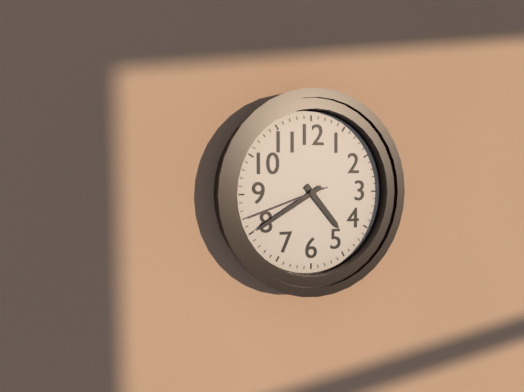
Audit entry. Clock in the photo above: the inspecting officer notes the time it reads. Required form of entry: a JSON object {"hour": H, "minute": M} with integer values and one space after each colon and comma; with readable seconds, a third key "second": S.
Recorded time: {"hour": 4, "minute": 40, "second": 42}
